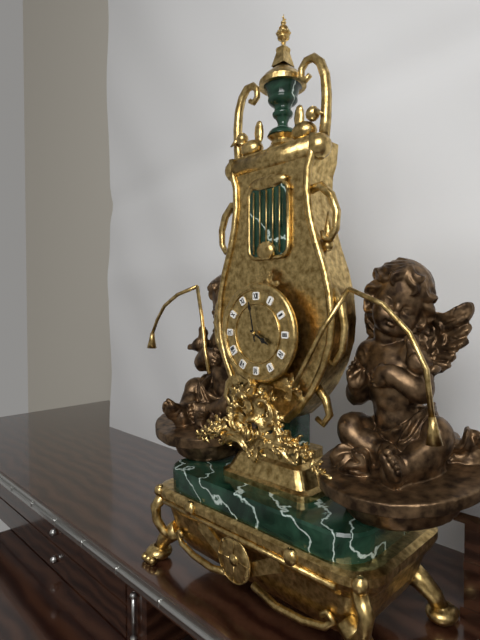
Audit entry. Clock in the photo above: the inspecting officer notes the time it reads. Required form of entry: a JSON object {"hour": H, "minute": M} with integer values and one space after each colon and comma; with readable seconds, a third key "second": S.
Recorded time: {"hour": 3, "minute": 58}
